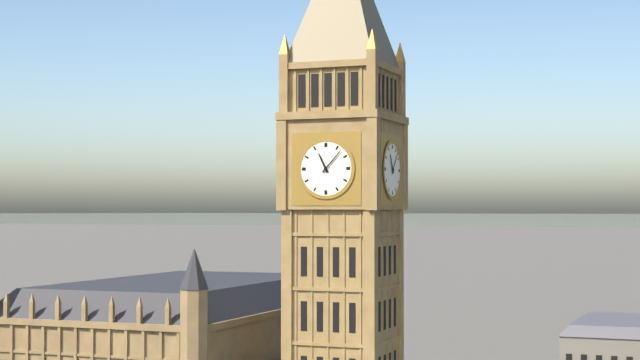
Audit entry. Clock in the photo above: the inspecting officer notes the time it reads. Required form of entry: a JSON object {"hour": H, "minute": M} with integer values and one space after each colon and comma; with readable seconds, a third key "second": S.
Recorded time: {"hour": 11, "minute": 7}
